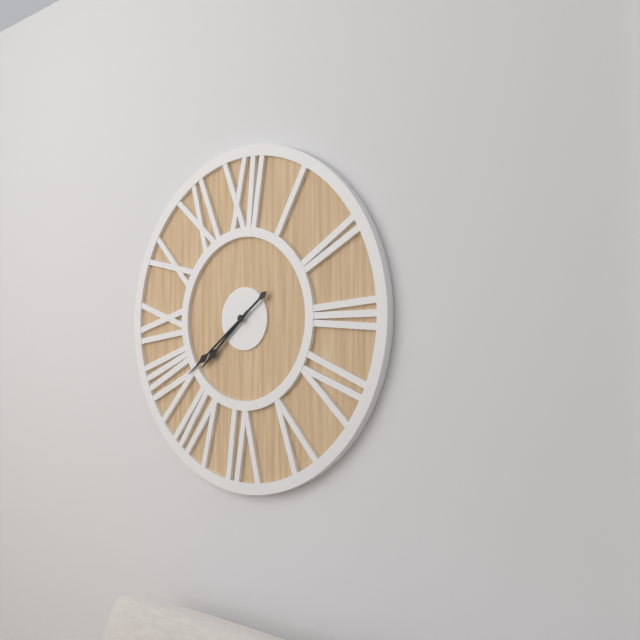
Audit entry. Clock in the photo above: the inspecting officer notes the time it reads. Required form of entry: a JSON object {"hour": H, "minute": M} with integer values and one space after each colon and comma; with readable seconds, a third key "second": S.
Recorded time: {"hour": 7, "minute": 39}
